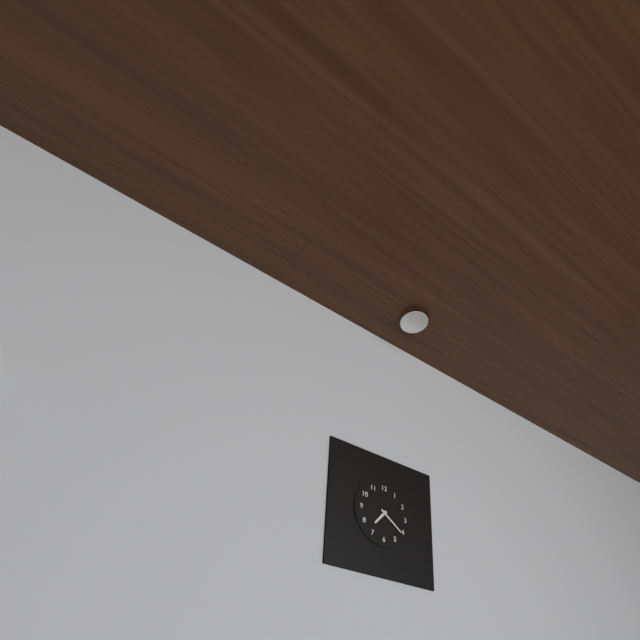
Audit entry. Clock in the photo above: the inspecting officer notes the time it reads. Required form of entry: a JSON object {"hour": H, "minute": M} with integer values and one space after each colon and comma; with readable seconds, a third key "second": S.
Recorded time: {"hour": 7, "minute": 21}
